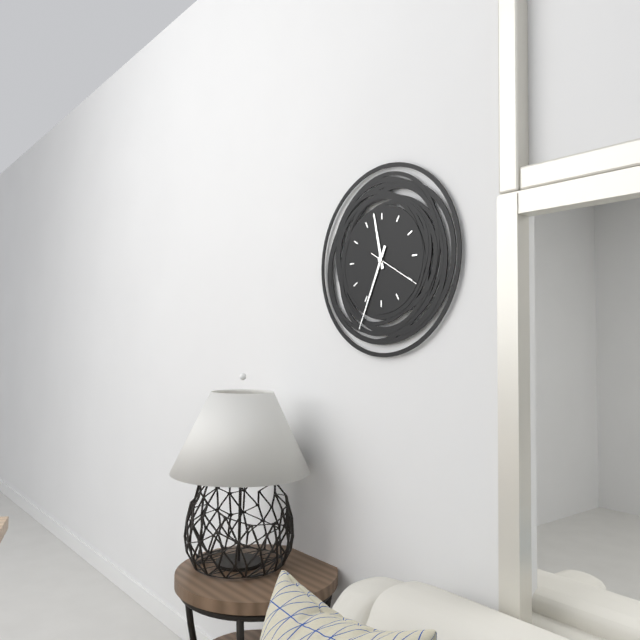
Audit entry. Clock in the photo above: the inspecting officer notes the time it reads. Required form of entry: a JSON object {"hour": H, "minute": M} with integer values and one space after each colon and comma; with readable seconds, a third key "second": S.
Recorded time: {"hour": 11, "minute": 34, "second": 20}
